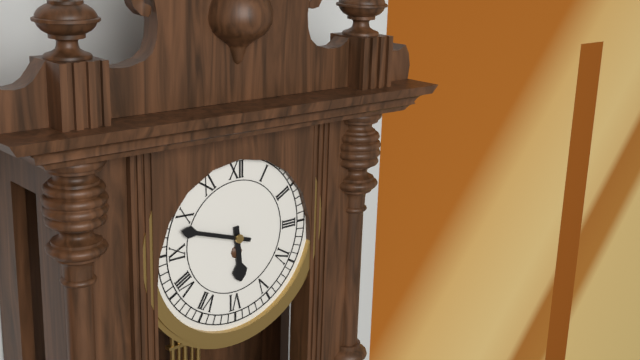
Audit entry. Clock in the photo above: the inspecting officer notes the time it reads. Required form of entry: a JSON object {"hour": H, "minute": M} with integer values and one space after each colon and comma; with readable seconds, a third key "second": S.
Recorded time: {"hour": 5, "minute": 48}
